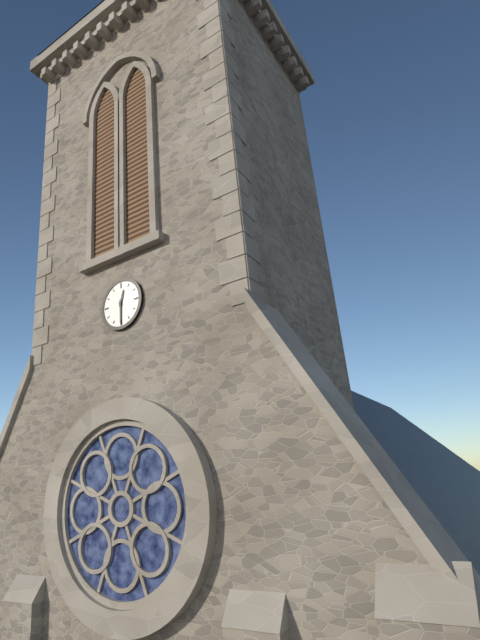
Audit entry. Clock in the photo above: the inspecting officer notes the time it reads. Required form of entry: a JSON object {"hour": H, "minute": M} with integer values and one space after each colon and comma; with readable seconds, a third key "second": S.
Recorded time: {"hour": 12, "minute": 30}
